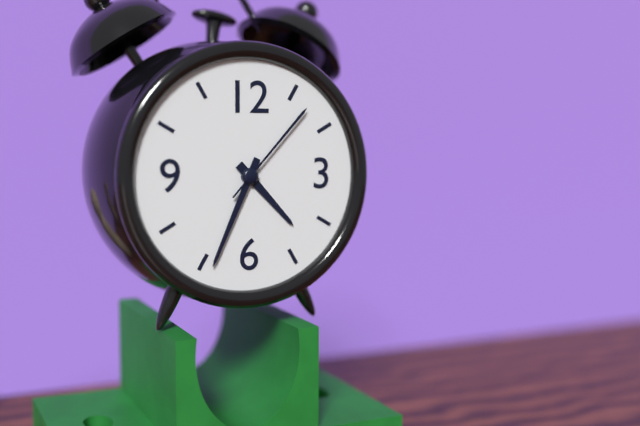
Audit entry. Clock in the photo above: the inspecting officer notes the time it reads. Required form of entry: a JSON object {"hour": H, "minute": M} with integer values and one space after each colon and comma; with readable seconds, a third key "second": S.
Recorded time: {"hour": 4, "minute": 34, "second": 7}
